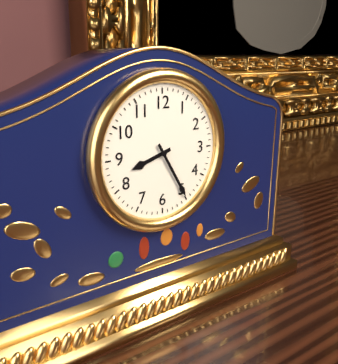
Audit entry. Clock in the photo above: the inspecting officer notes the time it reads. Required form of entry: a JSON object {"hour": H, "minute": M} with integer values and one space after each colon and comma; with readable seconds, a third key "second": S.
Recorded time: {"hour": 8, "minute": 25}
